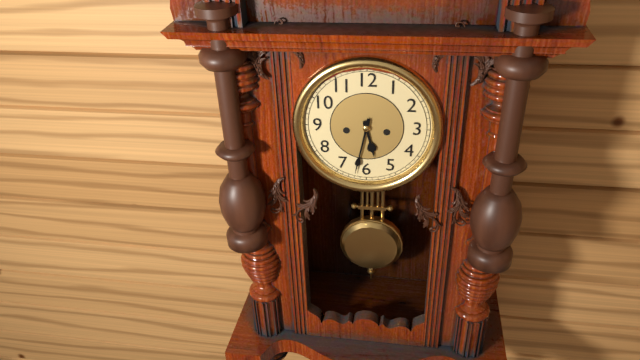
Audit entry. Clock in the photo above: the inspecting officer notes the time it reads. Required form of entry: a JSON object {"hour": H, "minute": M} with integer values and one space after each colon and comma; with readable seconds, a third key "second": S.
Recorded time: {"hour": 5, "minute": 32}
